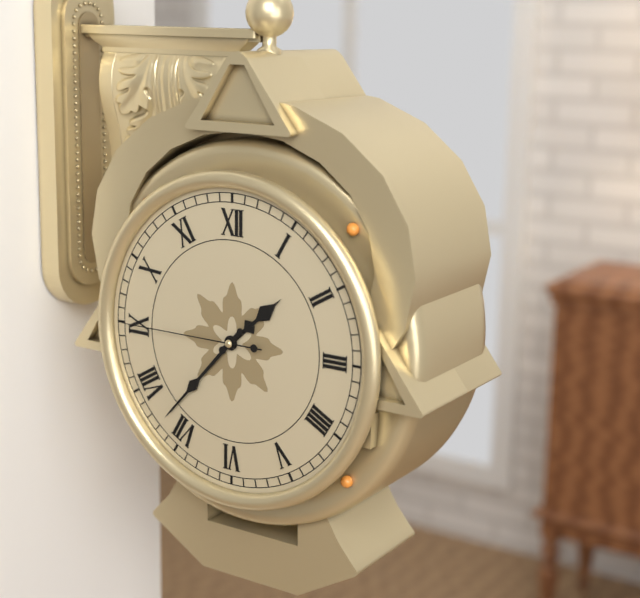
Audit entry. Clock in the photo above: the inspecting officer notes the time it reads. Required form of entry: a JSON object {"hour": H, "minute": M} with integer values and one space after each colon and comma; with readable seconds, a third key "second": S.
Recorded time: {"hour": 1, "minute": 37, "second": 45}
